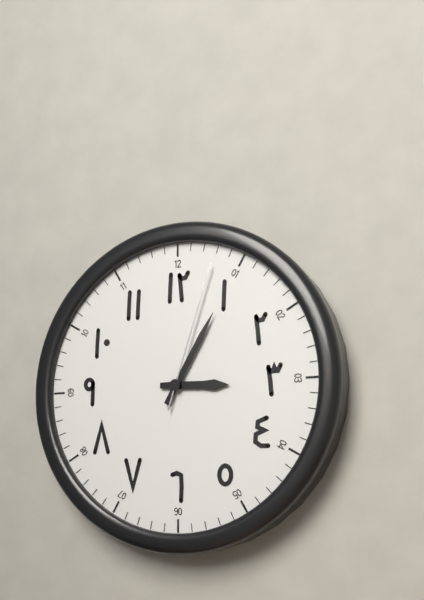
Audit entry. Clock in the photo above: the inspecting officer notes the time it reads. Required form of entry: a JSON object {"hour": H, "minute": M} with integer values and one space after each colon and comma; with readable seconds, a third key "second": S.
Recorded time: {"hour": 3, "minute": 5, "second": 3}
